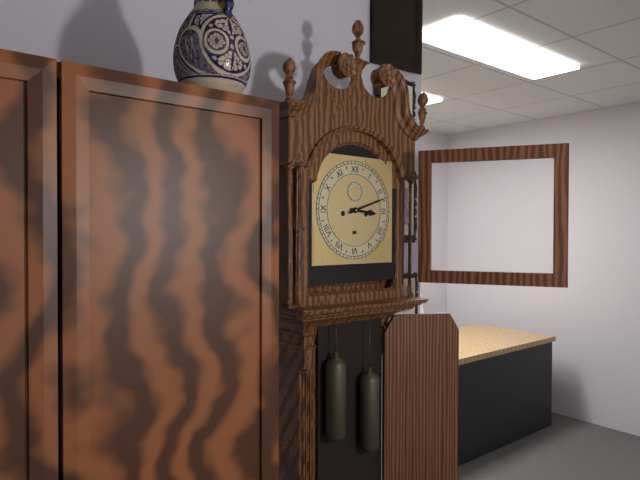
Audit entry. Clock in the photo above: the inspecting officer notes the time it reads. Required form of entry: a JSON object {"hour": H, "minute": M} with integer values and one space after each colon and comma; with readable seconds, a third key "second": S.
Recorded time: {"hour": 3, "minute": 12}
